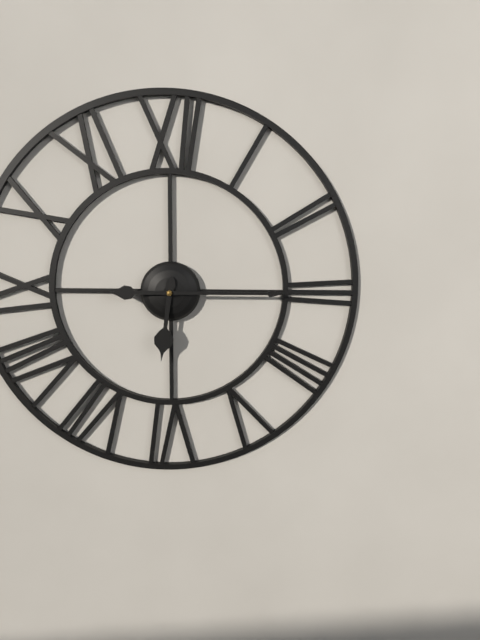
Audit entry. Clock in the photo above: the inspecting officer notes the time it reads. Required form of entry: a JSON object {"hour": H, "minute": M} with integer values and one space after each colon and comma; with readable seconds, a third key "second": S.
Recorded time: {"hour": 6, "minute": 15}
